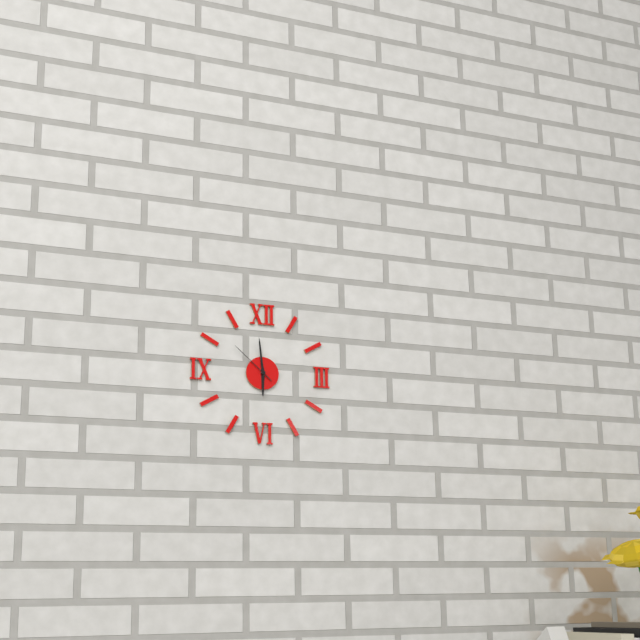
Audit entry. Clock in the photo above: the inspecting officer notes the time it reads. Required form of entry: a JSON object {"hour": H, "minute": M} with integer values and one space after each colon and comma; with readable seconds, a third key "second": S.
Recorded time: {"hour": 5, "minute": 59}
